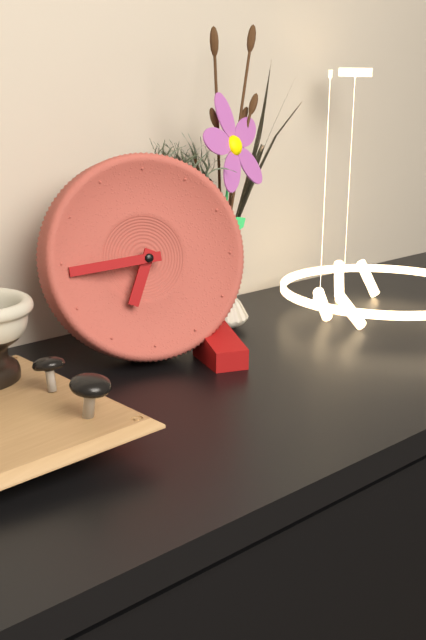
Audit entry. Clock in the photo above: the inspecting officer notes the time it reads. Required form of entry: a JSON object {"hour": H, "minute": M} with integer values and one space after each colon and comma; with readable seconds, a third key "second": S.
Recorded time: {"hour": 6, "minute": 44}
